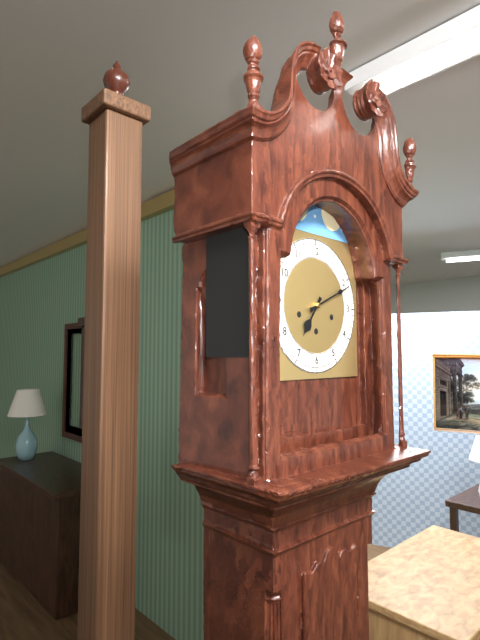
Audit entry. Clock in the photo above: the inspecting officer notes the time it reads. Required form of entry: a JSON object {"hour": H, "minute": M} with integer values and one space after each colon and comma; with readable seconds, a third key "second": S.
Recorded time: {"hour": 7, "minute": 11}
